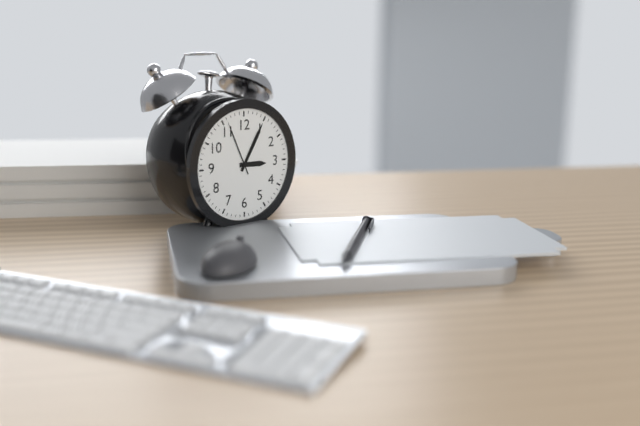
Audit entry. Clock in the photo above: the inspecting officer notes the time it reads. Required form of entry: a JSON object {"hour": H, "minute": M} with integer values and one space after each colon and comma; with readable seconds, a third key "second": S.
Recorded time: {"hour": 3, "minute": 5, "second": 56}
